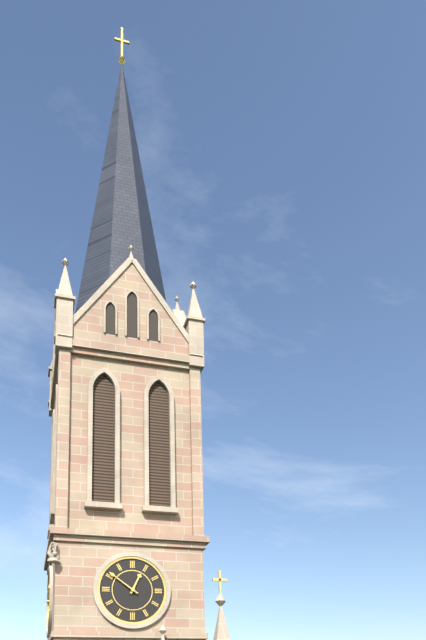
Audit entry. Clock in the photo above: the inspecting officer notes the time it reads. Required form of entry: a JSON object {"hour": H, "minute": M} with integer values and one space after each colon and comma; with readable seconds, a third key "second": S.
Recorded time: {"hour": 12, "minute": 51}
